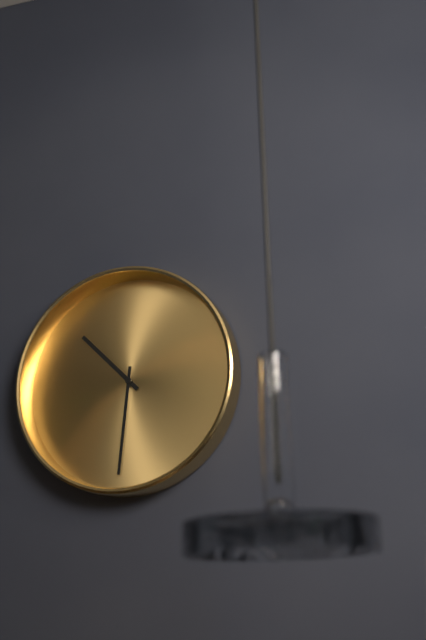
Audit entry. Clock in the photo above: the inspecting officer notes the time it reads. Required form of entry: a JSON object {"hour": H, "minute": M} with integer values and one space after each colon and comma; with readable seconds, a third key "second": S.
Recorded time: {"hour": 10, "minute": 31}
